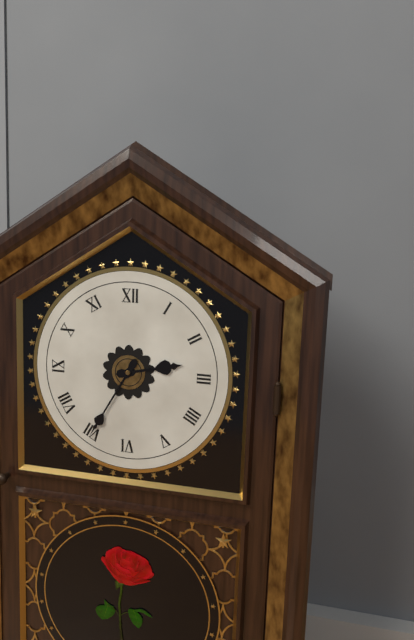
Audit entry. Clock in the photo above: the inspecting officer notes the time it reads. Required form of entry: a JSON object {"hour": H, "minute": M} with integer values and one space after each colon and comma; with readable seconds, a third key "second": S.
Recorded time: {"hour": 2, "minute": 35}
